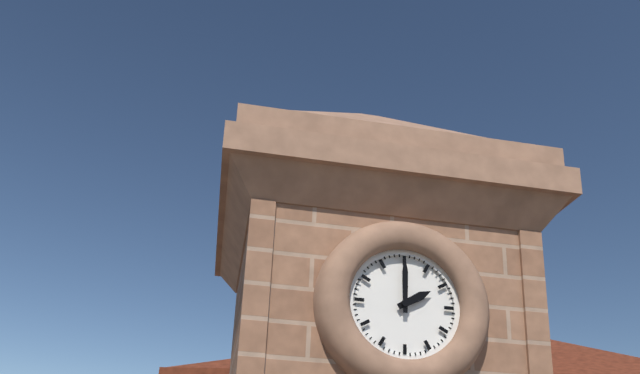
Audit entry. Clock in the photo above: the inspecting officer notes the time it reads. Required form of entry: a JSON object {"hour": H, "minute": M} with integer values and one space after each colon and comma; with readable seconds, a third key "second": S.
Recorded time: {"hour": 2, "minute": 0}
